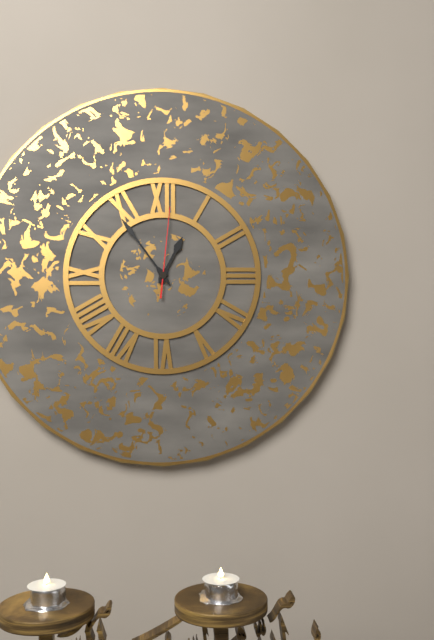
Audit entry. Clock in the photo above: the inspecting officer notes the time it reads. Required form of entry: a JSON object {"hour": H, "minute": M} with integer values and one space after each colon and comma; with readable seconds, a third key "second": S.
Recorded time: {"hour": 12, "minute": 54, "second": 1}
